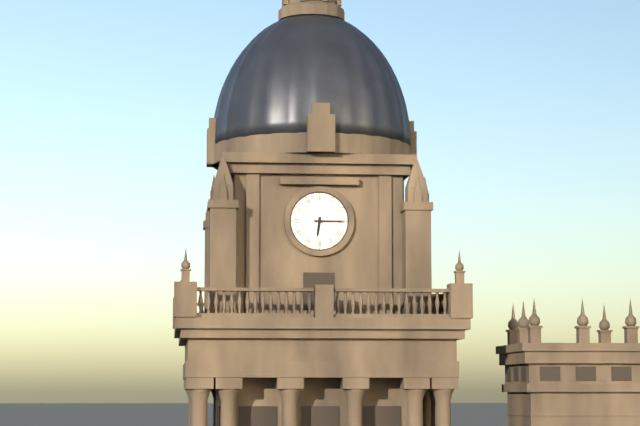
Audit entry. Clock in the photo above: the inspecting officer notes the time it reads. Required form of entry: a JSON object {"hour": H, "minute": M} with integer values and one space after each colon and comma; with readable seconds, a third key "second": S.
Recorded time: {"hour": 6, "minute": 15}
